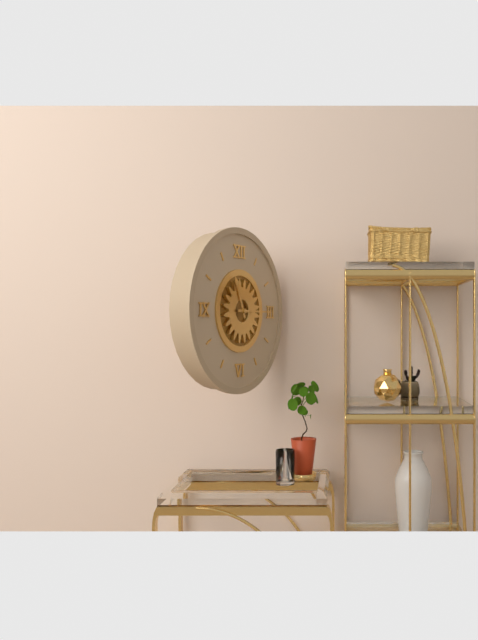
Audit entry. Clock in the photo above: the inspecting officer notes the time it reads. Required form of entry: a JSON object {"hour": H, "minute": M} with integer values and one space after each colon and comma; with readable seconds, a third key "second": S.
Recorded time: {"hour": 11, "minute": 15}
